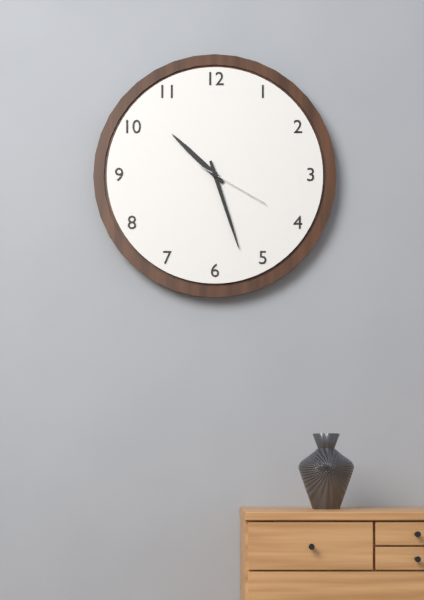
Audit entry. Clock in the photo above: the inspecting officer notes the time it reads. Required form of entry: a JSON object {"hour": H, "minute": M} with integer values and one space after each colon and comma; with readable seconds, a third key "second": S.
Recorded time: {"hour": 10, "minute": 27, "second": 20}
